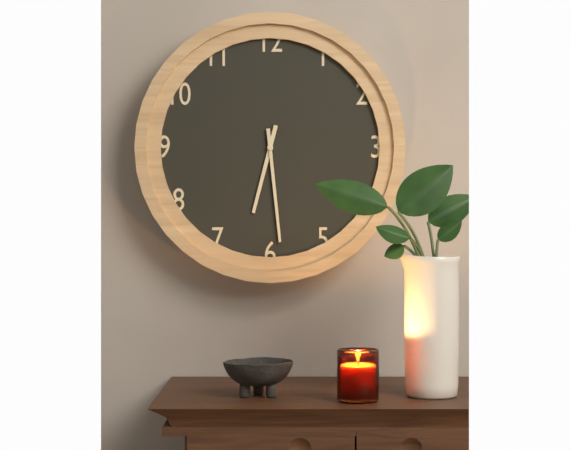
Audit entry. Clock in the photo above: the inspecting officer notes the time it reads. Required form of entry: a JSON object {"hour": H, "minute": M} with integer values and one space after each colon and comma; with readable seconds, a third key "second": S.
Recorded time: {"hour": 6, "minute": 29}
